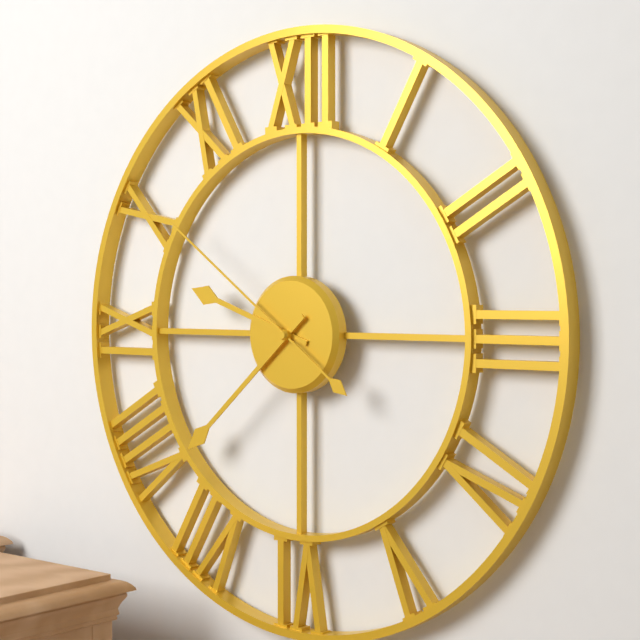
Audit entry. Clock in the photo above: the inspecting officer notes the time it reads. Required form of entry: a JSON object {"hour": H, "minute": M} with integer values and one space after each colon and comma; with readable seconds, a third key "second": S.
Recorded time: {"hour": 9, "minute": 38, "second": 51}
